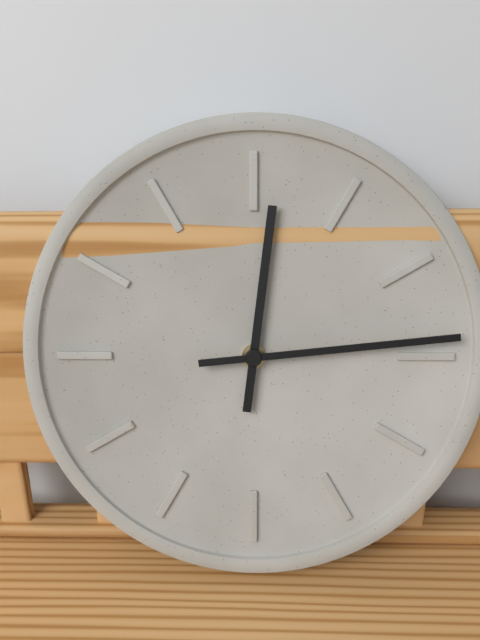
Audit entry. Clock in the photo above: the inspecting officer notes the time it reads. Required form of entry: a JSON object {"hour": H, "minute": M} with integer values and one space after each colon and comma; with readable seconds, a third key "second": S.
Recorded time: {"hour": 12, "minute": 14}
